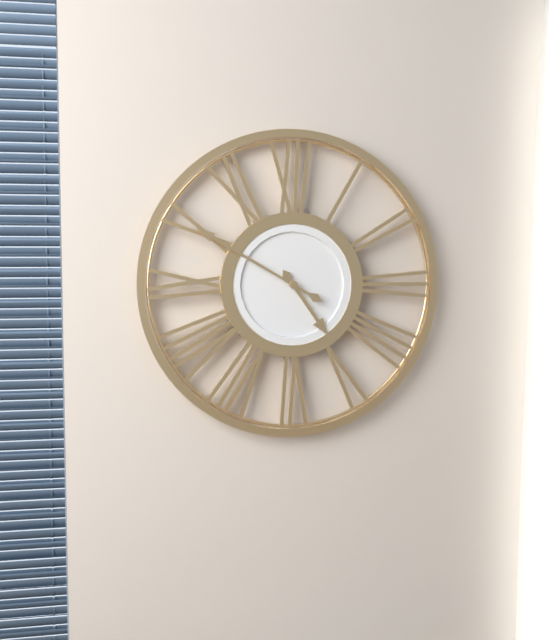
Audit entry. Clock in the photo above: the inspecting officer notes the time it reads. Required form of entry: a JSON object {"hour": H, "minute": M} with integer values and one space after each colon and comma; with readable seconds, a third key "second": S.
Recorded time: {"hour": 4, "minute": 50}
